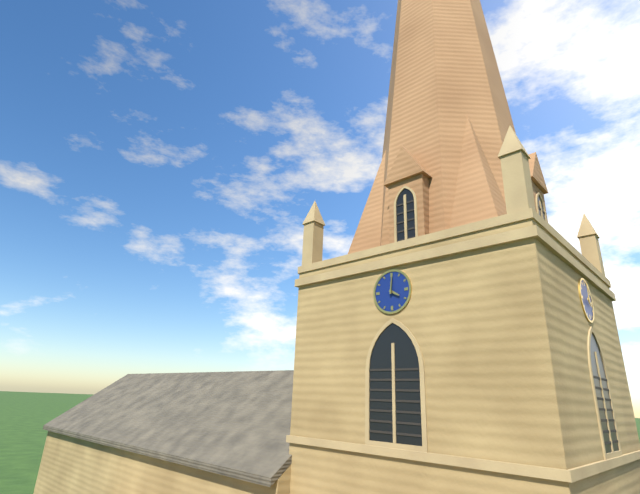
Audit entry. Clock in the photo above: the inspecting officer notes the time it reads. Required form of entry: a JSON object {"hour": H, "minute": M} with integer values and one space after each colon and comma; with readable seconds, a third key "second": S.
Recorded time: {"hour": 4, "minute": 1}
